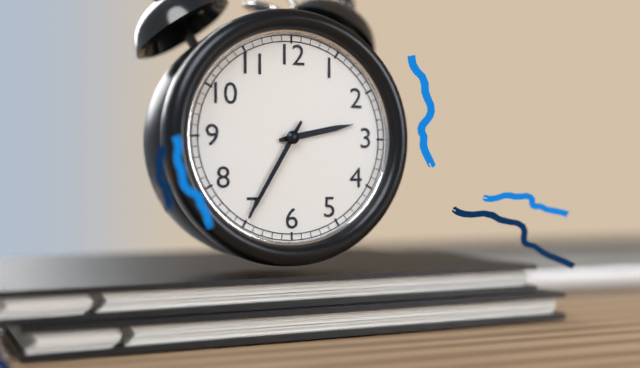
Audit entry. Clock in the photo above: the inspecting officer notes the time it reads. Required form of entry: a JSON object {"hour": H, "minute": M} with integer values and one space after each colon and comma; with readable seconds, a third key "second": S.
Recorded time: {"hour": 2, "minute": 35}
